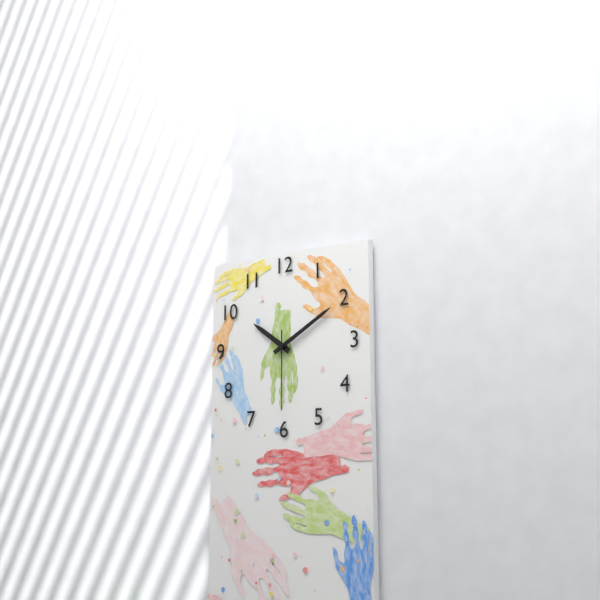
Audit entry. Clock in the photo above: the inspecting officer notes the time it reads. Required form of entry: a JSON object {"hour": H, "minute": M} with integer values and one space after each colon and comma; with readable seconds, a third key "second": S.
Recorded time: {"hour": 10, "minute": 10, "second": 30}
